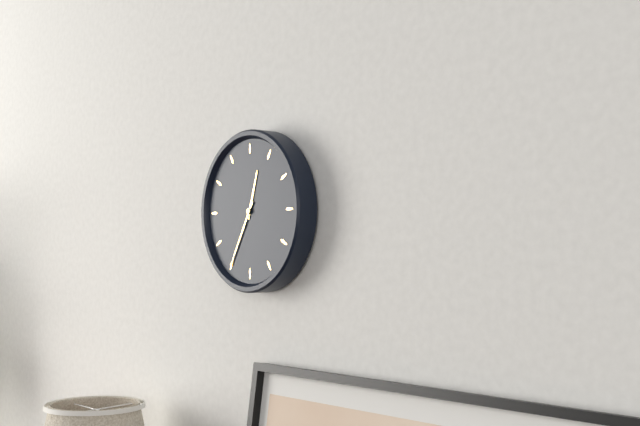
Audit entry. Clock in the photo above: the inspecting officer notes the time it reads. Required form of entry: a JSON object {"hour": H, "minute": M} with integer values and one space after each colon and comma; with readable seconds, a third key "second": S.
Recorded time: {"hour": 12, "minute": 35}
